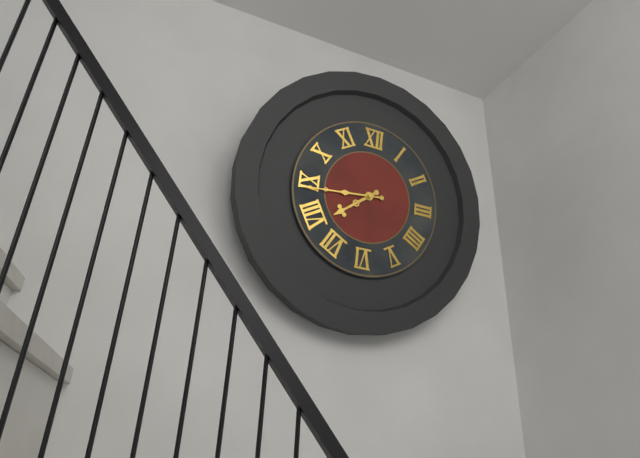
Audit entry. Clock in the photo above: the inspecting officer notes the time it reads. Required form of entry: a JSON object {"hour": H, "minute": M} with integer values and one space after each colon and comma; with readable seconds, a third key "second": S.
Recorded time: {"hour": 7, "minute": 44}
